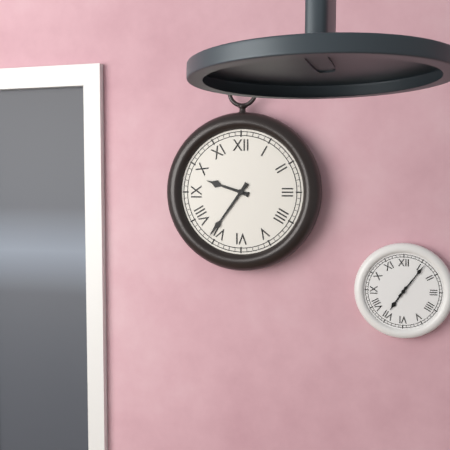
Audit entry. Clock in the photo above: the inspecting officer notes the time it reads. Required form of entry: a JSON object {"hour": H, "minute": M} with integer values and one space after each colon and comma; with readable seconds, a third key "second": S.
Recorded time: {"hour": 9, "minute": 36}
